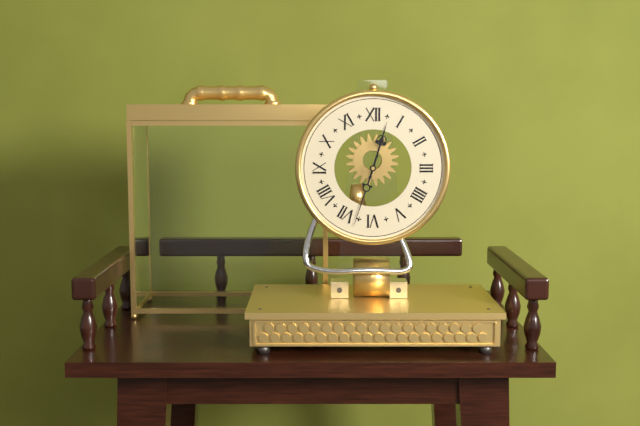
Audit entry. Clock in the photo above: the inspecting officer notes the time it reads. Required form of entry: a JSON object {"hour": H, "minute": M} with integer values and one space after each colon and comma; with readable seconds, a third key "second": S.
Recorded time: {"hour": 12, "minute": 33}
